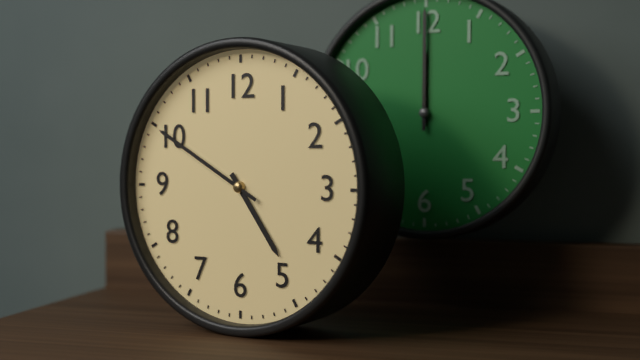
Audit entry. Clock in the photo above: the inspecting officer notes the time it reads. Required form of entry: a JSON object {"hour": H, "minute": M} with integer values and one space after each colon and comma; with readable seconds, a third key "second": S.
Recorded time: {"hour": 4, "minute": 50}
